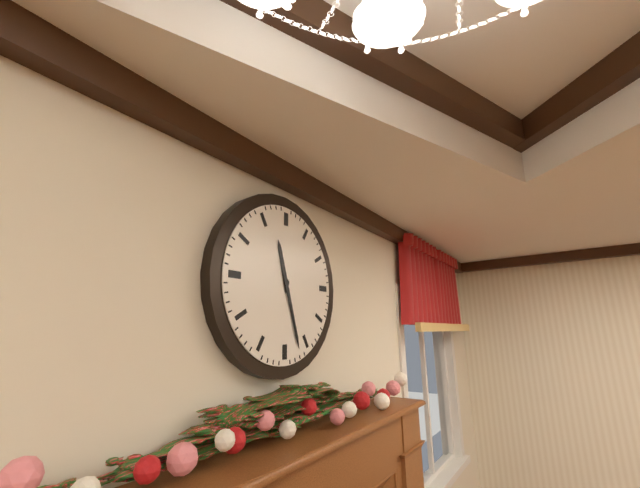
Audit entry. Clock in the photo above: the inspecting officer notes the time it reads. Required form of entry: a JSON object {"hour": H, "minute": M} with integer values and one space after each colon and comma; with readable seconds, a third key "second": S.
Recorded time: {"hour": 11, "minute": 27}
